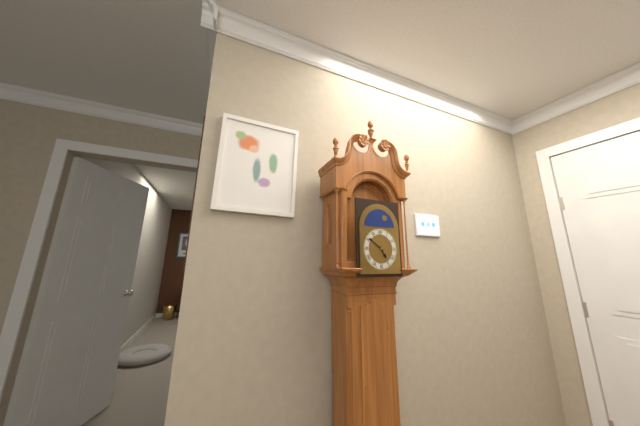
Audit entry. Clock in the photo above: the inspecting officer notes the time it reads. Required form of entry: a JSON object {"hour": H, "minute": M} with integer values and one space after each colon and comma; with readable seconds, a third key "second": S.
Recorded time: {"hour": 4, "minute": 51}
